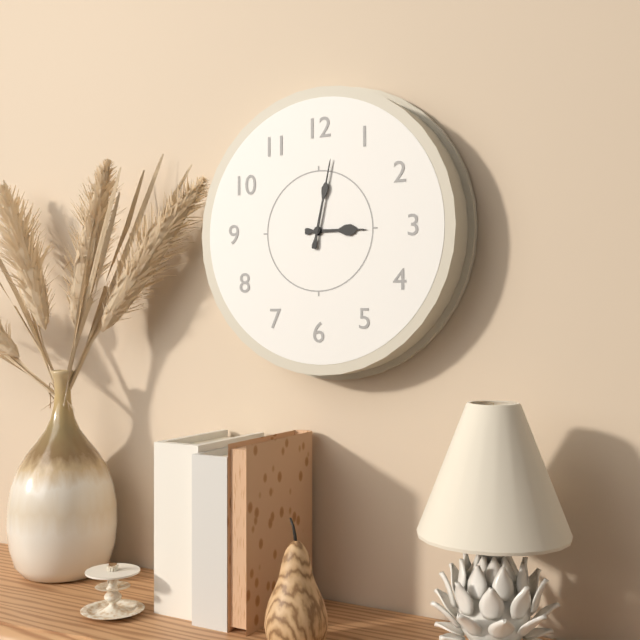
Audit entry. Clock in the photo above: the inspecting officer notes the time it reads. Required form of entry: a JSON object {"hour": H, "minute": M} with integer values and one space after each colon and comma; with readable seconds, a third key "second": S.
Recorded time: {"hour": 3, "minute": 2}
